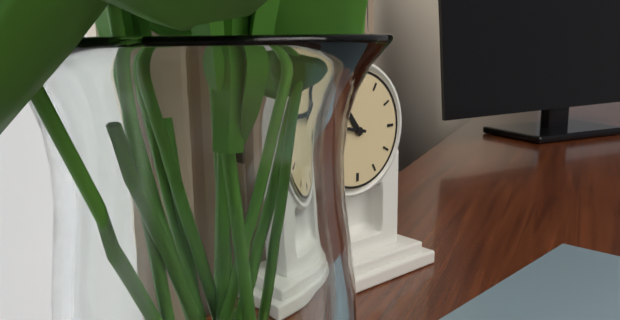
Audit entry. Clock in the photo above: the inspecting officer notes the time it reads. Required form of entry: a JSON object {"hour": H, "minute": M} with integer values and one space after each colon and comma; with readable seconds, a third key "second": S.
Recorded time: {"hour": 10, "minute": 47}
